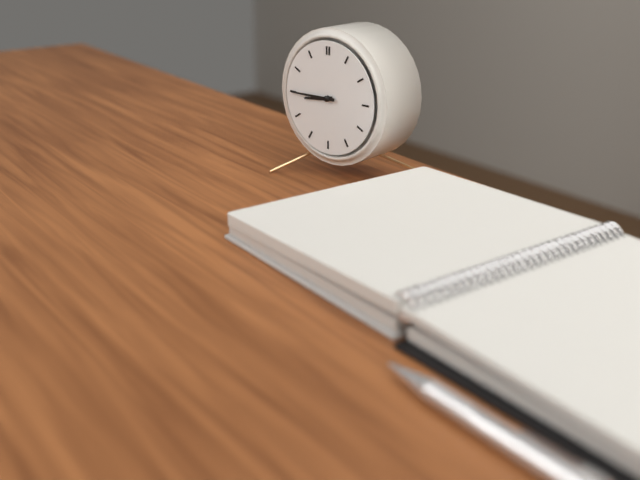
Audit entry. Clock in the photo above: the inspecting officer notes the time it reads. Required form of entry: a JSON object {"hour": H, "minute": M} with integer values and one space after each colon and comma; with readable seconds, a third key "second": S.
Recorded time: {"hour": 8, "minute": 45}
